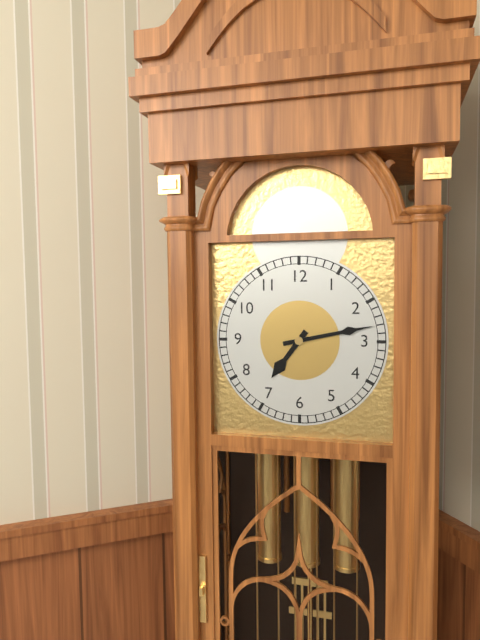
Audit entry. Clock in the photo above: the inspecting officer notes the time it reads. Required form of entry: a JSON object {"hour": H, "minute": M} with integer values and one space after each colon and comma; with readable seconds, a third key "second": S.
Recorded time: {"hour": 7, "minute": 13}
